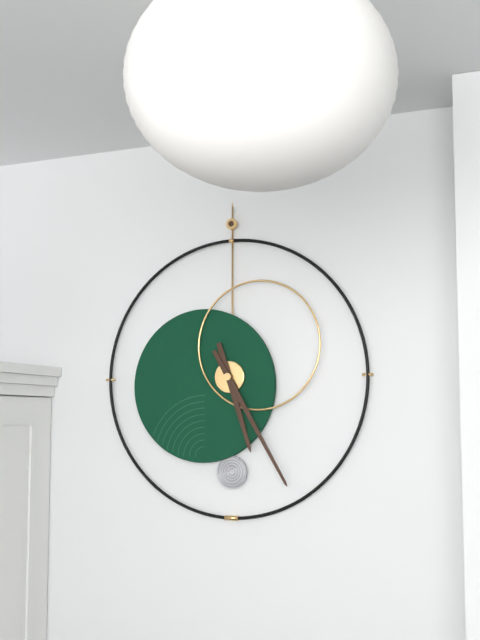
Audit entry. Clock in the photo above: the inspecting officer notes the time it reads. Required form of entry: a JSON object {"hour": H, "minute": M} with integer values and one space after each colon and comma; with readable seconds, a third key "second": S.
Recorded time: {"hour": 5, "minute": 25}
